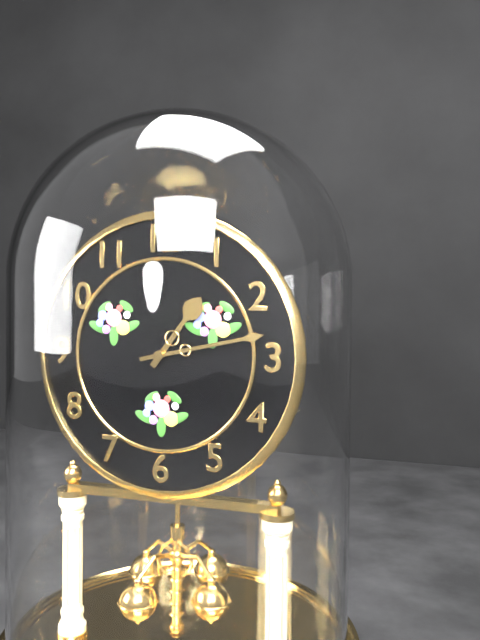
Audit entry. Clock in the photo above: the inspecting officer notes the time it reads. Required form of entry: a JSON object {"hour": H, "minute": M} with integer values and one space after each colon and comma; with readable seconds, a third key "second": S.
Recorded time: {"hour": 1, "minute": 13}
